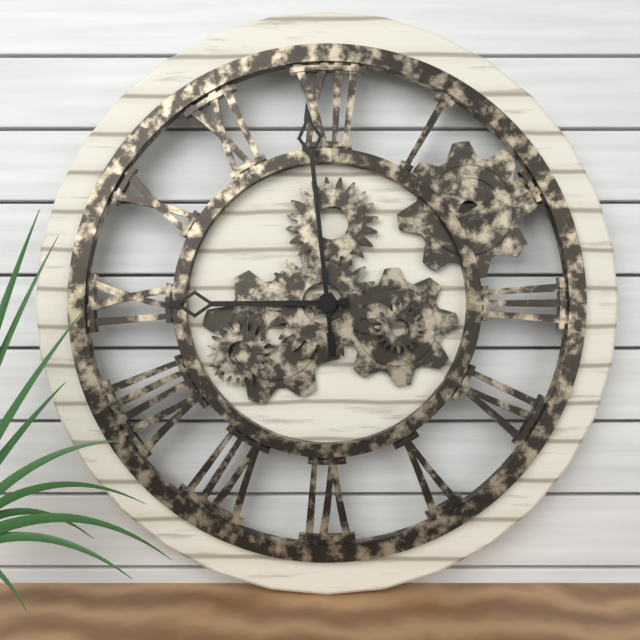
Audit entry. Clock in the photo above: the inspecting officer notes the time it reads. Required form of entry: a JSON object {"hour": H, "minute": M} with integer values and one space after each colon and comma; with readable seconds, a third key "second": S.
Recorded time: {"hour": 8, "minute": 59}
